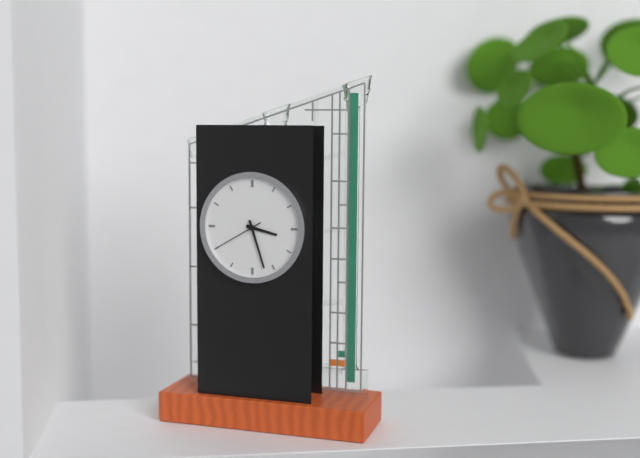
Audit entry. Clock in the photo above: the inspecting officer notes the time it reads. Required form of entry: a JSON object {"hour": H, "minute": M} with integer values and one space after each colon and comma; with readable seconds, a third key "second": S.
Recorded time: {"hour": 3, "minute": 27, "second": 40}
